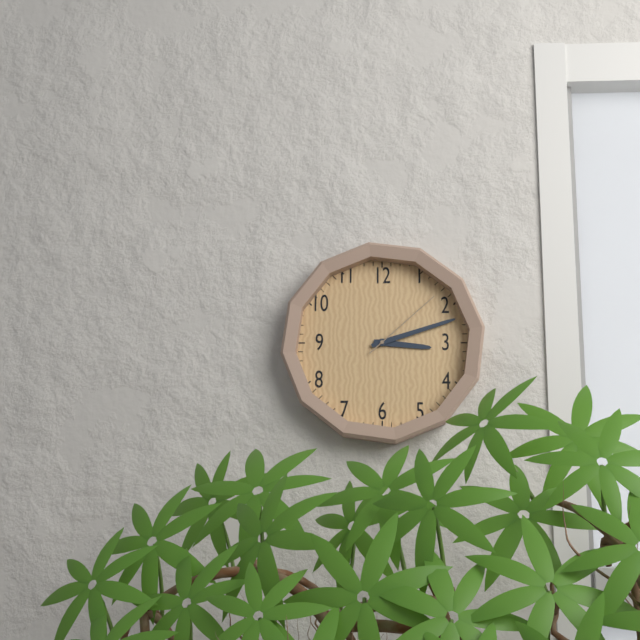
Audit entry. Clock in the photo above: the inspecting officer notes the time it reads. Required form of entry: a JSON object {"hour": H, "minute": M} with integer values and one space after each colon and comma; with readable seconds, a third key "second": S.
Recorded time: {"hour": 3, "minute": 12, "second": 8}
